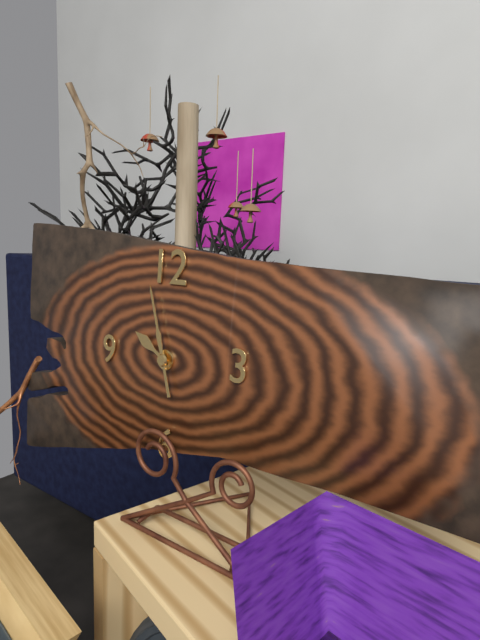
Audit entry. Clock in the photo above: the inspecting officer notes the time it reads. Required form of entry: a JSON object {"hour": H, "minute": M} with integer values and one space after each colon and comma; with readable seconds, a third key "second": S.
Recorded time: {"hour": 9, "minute": 57}
